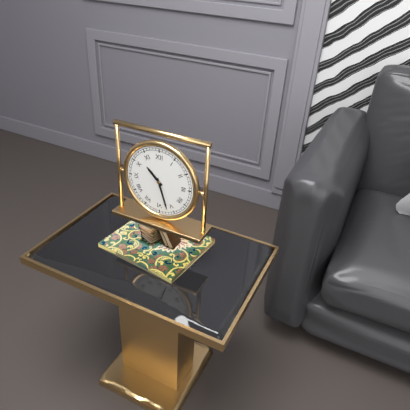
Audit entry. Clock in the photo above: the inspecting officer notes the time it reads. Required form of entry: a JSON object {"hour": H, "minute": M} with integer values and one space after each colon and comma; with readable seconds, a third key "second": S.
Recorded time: {"hour": 10, "minute": 27}
